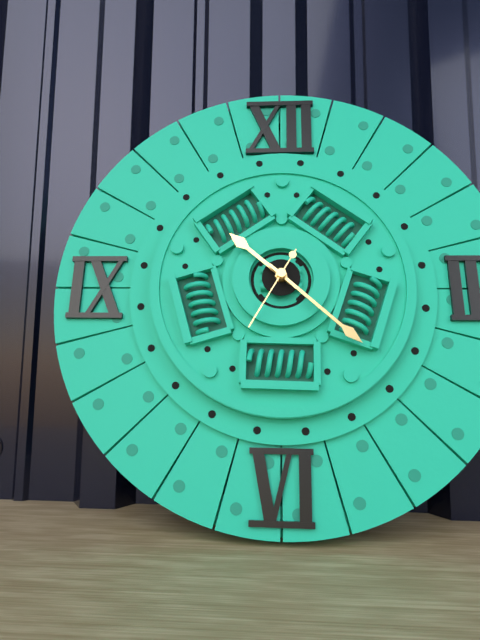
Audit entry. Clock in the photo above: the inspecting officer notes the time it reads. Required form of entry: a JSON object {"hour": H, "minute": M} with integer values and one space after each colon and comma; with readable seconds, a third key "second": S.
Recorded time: {"hour": 10, "minute": 22, "second": 35}
